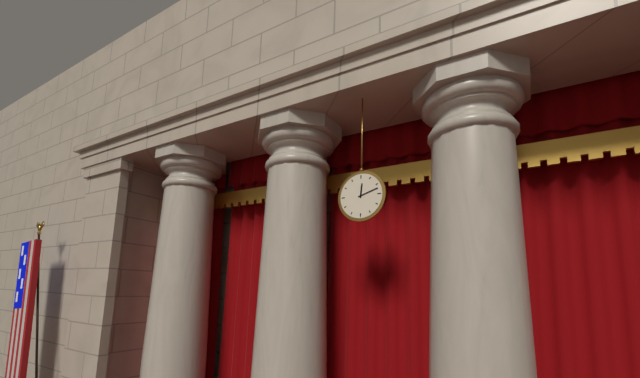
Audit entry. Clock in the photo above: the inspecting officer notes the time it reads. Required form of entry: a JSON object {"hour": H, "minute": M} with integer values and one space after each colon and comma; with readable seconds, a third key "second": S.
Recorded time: {"hour": 12, "minute": 12}
